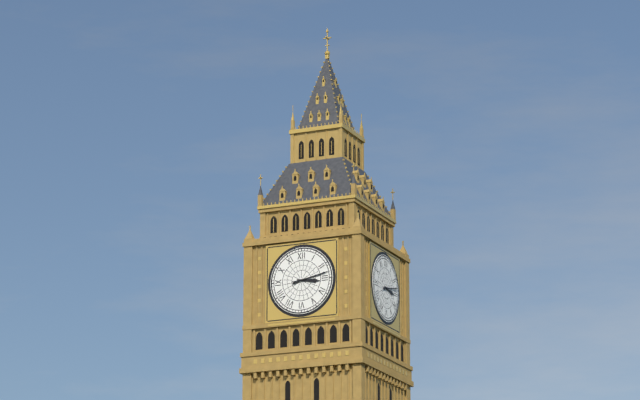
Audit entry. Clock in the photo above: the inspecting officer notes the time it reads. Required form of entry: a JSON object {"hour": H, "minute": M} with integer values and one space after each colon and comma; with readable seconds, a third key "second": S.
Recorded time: {"hour": 3, "minute": 13}
